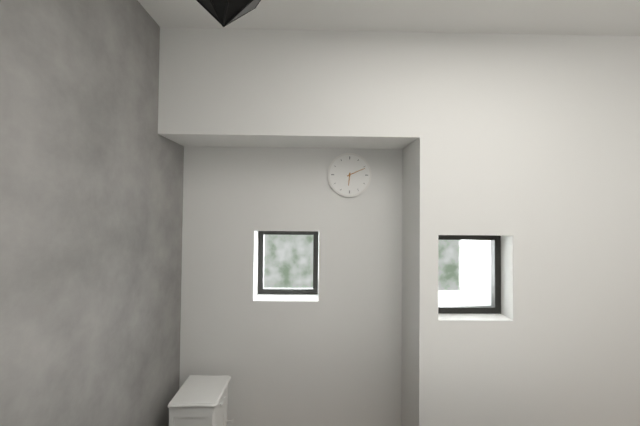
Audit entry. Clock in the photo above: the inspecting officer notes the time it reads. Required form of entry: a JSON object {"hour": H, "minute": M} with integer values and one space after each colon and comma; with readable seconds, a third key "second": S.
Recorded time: {"hour": 6, "minute": 11}
